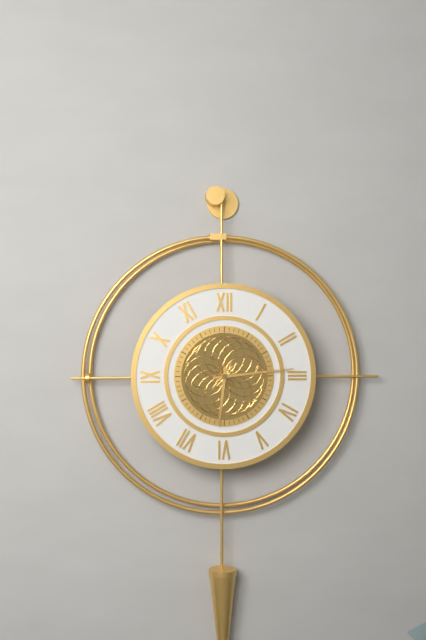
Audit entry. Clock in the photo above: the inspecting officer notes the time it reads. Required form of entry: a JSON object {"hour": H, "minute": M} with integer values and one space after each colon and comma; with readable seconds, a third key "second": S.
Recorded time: {"hour": 6, "minute": 14}
